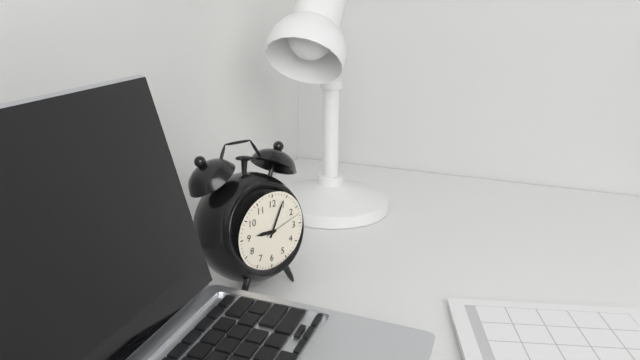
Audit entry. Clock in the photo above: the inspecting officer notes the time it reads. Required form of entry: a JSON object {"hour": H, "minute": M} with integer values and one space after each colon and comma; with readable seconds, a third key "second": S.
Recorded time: {"hour": 9, "minute": 4}
